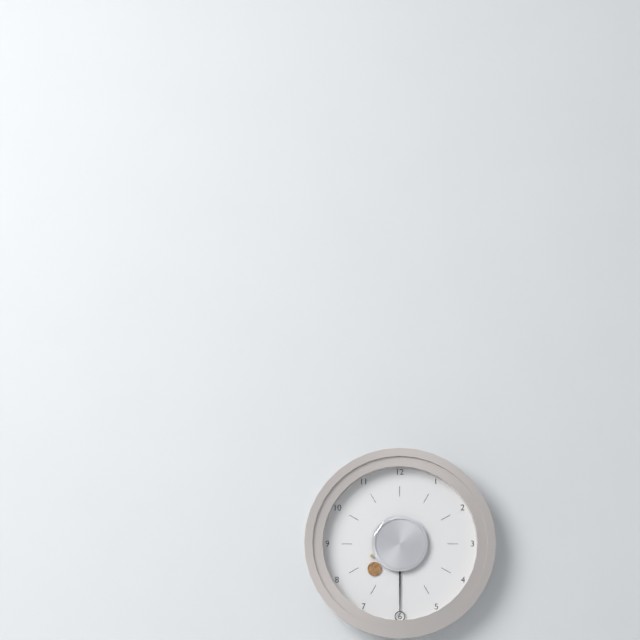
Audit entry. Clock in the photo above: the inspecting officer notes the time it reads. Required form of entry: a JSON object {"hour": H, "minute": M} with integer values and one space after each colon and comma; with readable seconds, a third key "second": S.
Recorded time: {"hour": 7, "minute": 30}
